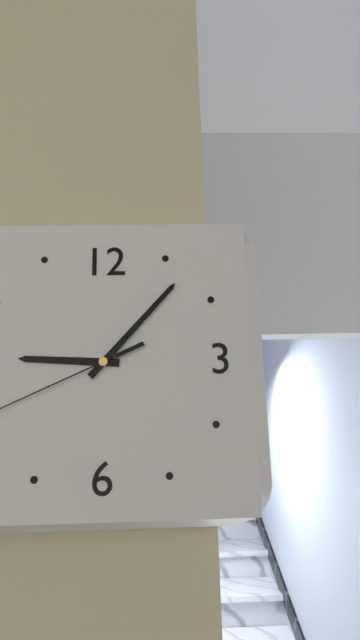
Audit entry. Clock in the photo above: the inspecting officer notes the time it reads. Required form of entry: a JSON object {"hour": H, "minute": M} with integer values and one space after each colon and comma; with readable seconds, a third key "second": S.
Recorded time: {"hour": 9, "minute": 7}
